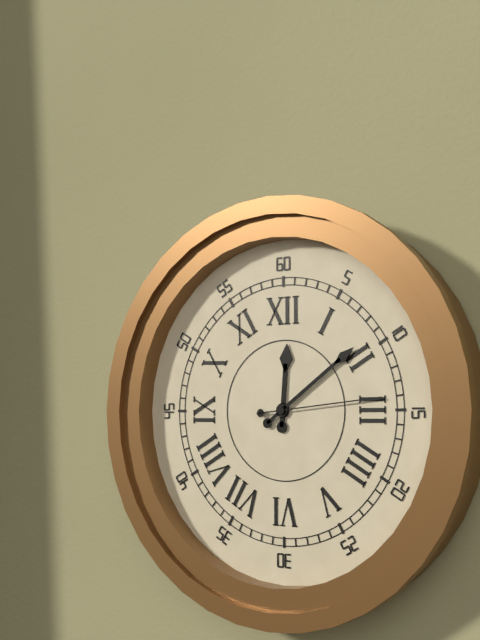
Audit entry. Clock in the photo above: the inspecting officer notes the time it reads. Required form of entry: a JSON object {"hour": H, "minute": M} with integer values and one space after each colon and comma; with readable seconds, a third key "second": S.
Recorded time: {"hour": 12, "minute": 9, "second": 14}
